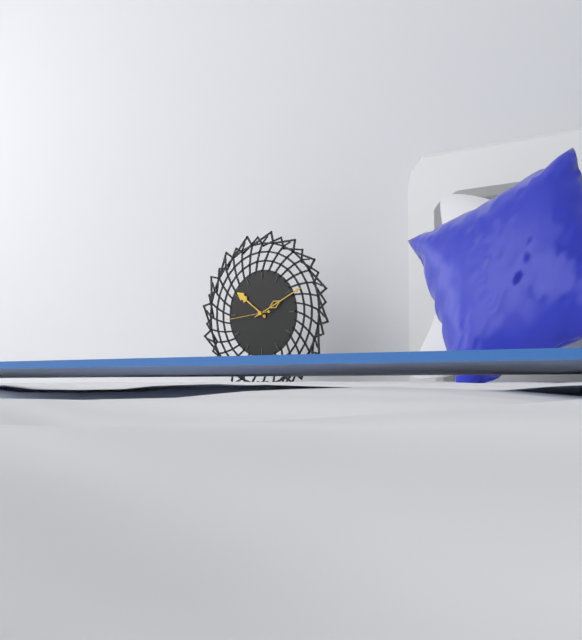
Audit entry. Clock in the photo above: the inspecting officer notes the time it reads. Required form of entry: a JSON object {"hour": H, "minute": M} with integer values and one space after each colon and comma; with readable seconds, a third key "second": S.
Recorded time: {"hour": 10, "minute": 11}
